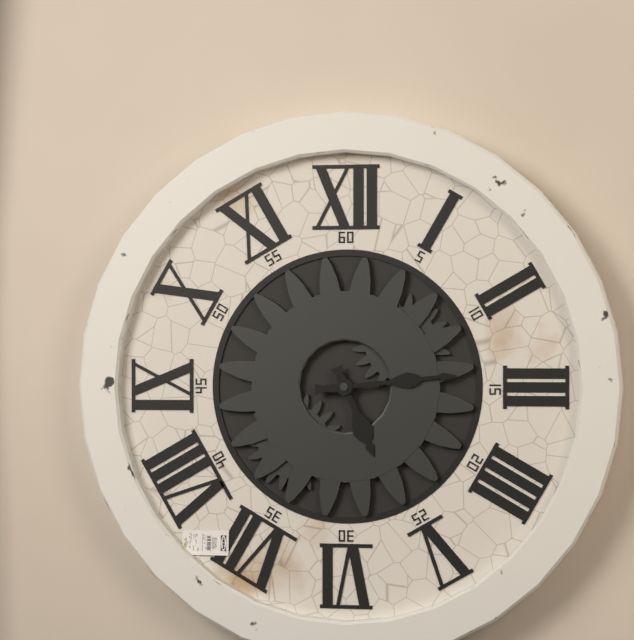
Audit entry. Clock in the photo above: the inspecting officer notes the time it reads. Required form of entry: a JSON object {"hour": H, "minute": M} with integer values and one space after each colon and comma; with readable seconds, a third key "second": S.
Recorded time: {"hour": 5, "minute": 14}
